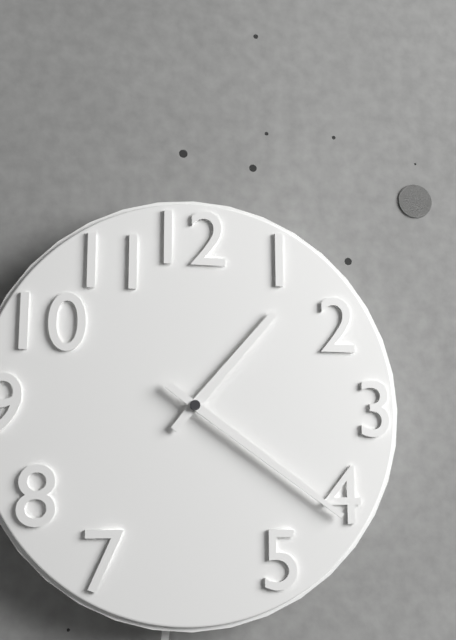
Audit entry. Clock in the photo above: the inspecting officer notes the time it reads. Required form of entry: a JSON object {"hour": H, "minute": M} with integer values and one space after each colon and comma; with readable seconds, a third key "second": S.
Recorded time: {"hour": 1, "minute": 21}
